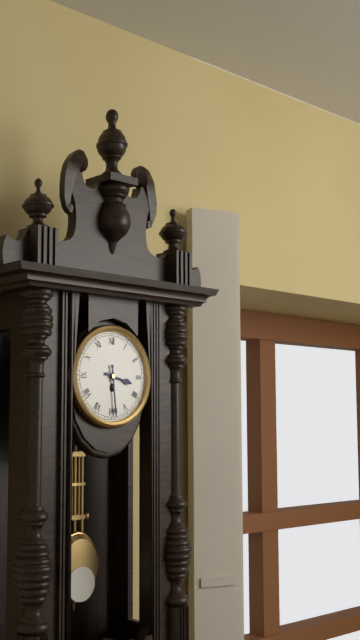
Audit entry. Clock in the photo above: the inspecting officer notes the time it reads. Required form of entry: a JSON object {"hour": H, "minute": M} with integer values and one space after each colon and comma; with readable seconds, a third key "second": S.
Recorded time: {"hour": 3, "minute": 29}
